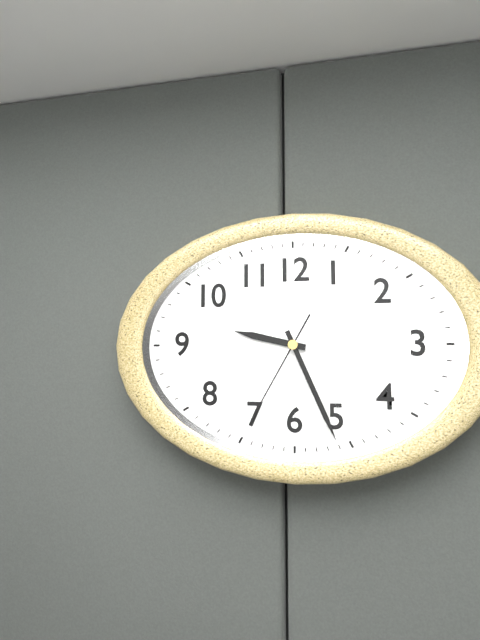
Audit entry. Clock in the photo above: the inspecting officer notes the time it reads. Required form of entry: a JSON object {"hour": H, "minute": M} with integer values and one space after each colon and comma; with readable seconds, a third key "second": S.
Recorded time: {"hour": 9, "minute": 26, "second": 35}
